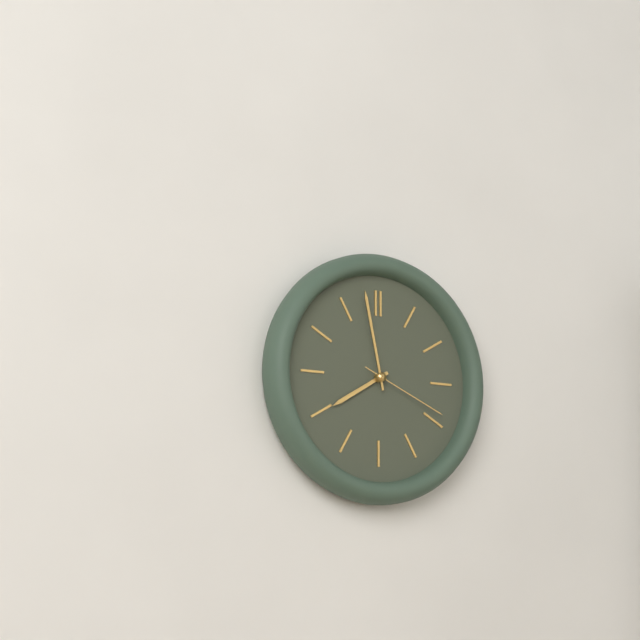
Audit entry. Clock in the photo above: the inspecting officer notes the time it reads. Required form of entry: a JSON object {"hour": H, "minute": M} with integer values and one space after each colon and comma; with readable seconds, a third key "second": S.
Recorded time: {"hour": 7, "minute": 58, "second": 19}
